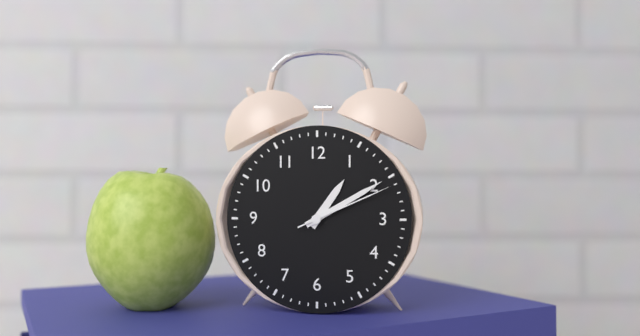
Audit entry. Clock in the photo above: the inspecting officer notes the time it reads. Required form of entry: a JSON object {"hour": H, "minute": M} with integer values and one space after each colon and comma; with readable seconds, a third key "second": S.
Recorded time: {"hour": 1, "minute": 10, "second": 11}
